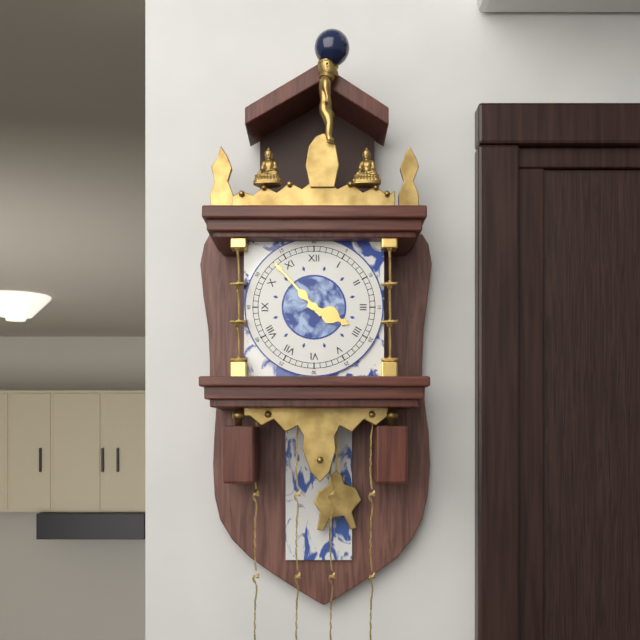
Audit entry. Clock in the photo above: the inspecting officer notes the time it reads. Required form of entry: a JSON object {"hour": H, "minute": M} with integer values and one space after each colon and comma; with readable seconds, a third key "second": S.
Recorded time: {"hour": 3, "minute": 53}
